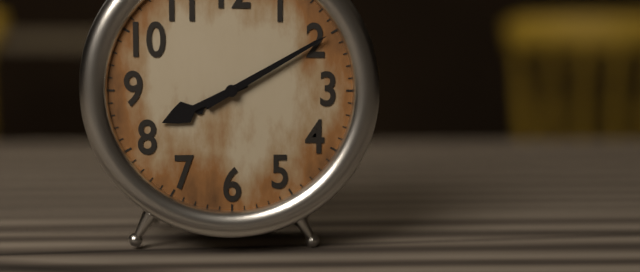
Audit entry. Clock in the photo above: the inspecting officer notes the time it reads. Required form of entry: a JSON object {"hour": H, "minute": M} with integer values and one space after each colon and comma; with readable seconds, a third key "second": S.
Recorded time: {"hour": 8, "minute": 10}
